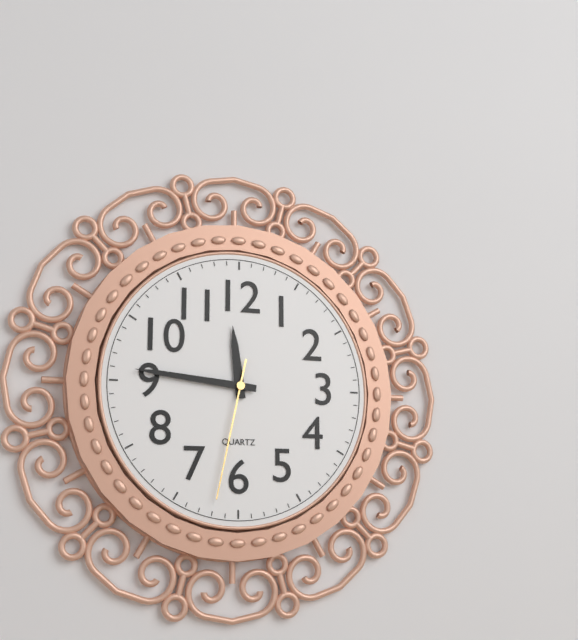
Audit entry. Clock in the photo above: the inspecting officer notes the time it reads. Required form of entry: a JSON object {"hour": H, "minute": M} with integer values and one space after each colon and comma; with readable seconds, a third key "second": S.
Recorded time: {"hour": 11, "minute": 46, "second": 32}
